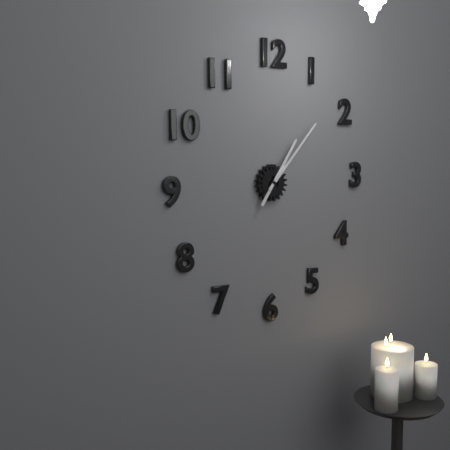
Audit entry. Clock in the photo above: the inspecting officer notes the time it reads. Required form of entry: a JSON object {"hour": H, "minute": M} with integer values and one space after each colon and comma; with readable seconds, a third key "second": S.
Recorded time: {"hour": 1, "minute": 7}
